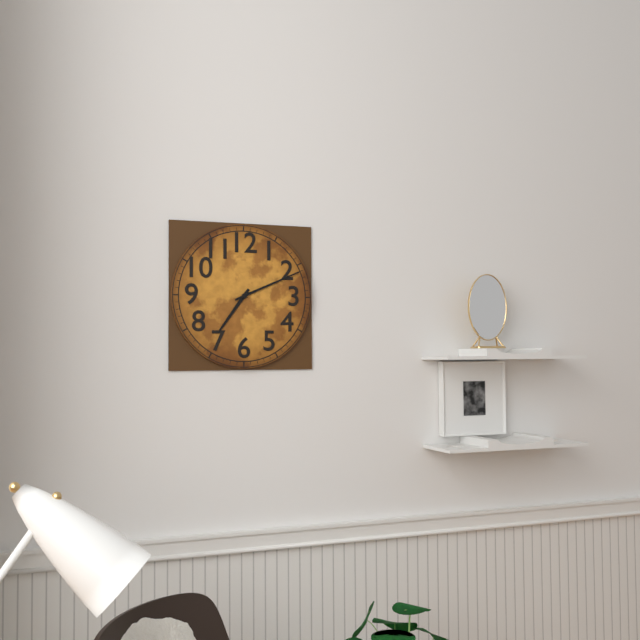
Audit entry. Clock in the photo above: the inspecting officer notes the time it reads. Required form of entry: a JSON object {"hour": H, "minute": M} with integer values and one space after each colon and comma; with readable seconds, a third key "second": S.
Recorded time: {"hour": 7, "minute": 11}
